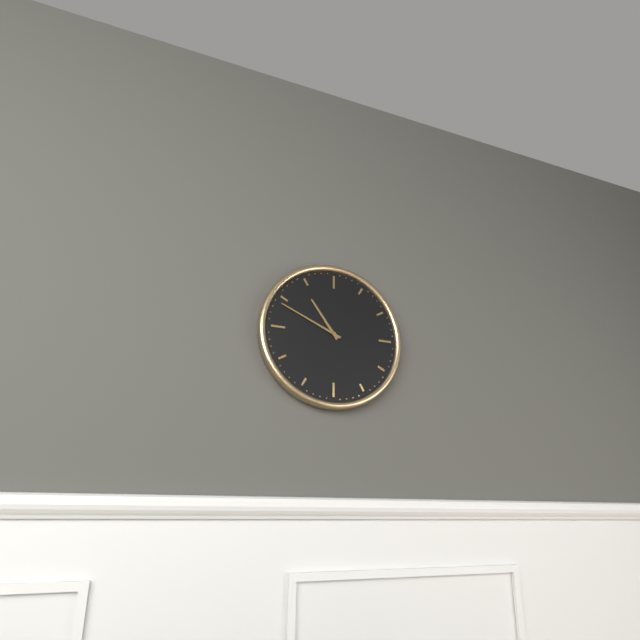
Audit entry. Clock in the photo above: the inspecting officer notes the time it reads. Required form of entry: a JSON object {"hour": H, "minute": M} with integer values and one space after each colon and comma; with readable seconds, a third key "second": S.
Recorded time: {"hour": 10, "minute": 49}
